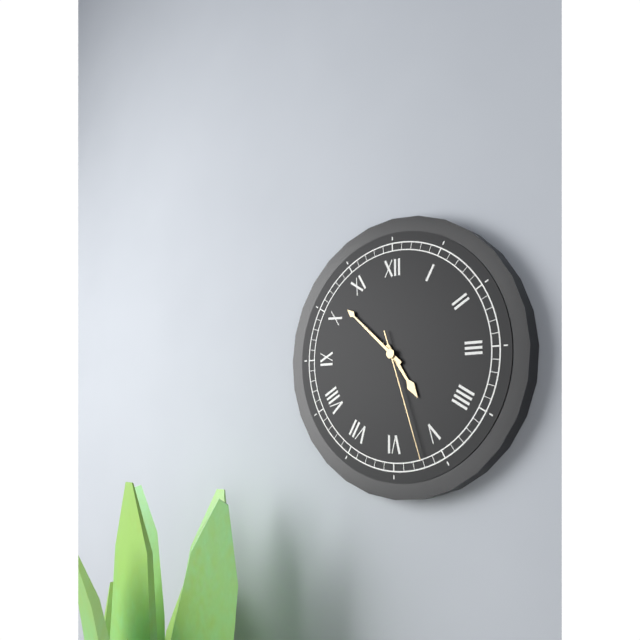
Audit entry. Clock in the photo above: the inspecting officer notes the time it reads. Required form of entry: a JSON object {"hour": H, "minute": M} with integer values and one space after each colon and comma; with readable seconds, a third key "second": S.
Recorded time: {"hour": 4, "minute": 52, "second": 27}
